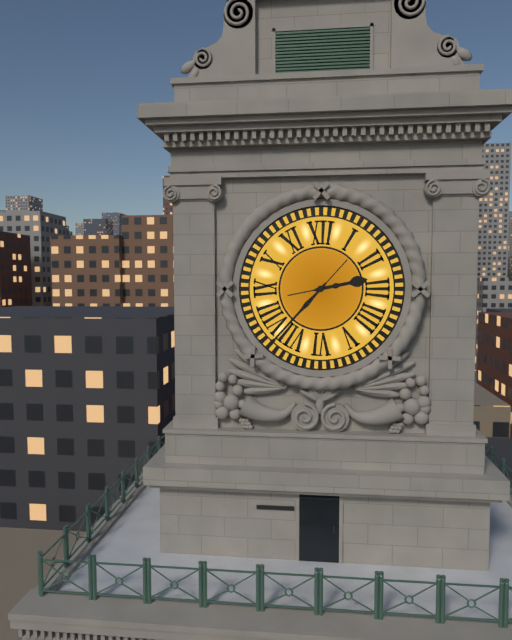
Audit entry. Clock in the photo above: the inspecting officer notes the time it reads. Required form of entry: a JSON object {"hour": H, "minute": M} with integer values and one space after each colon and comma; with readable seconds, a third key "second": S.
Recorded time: {"hour": 2, "minute": 37}
